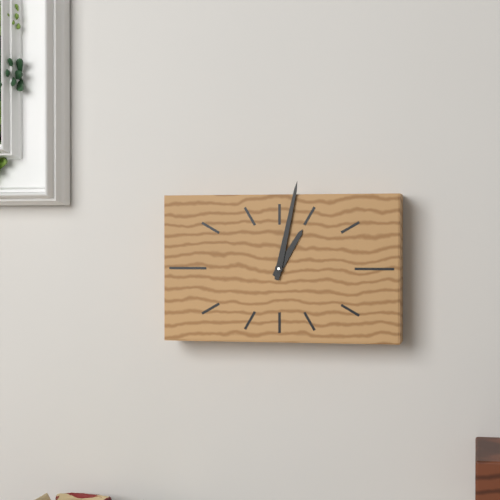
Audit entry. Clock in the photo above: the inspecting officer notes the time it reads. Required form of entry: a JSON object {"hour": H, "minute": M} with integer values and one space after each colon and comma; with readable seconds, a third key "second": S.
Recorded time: {"hour": 1, "minute": 2}
